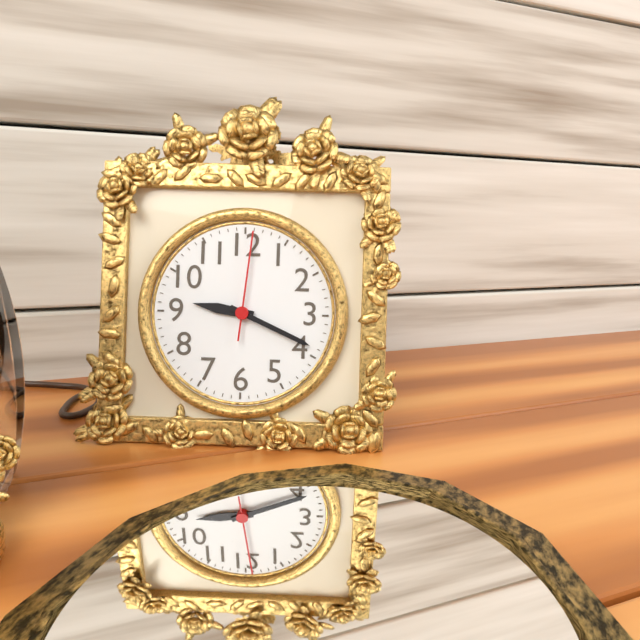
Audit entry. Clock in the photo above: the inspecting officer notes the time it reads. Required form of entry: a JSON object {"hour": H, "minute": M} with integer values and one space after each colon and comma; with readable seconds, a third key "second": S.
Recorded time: {"hour": 9, "minute": 19, "second": 1}
